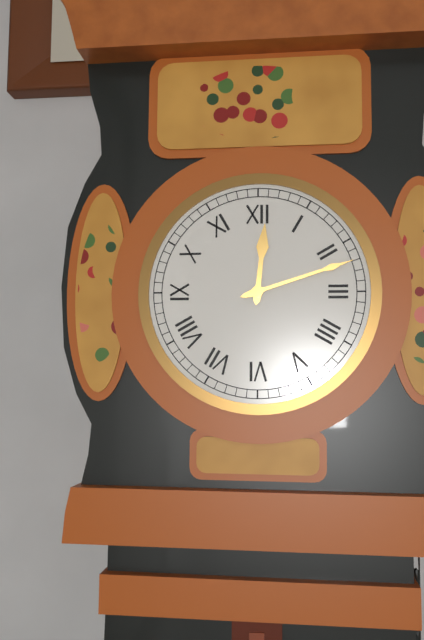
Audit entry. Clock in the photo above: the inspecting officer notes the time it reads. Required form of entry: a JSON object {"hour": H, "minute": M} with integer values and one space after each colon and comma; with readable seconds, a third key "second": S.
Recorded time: {"hour": 12, "minute": 12}
